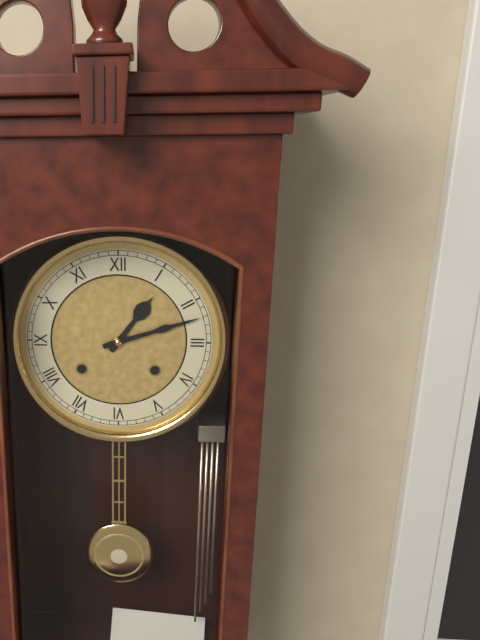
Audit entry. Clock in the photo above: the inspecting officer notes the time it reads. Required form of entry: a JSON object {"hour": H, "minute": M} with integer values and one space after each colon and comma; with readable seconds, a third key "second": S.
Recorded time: {"hour": 1, "minute": 12}
